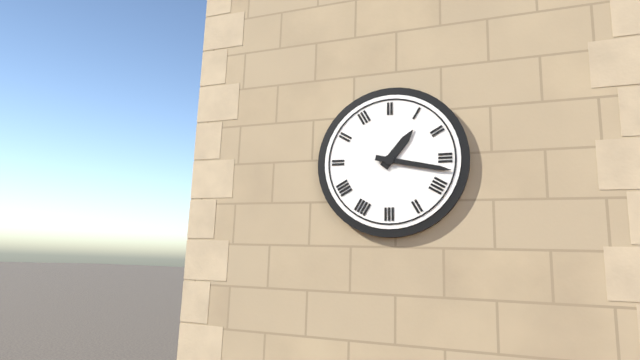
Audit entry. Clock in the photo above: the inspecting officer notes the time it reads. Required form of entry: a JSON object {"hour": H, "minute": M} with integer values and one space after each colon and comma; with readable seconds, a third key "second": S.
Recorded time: {"hour": 1, "minute": 17}
